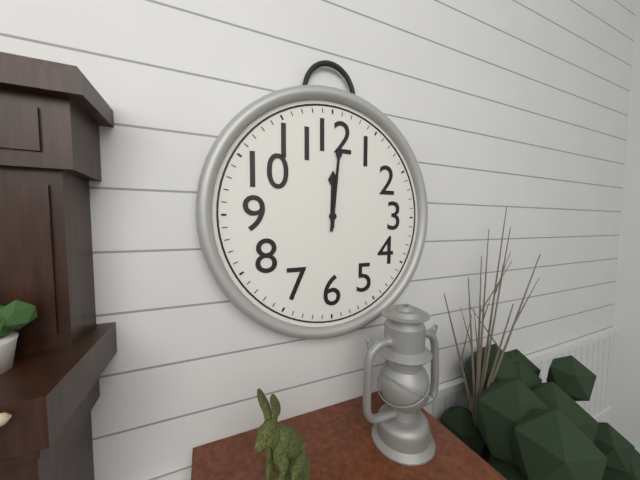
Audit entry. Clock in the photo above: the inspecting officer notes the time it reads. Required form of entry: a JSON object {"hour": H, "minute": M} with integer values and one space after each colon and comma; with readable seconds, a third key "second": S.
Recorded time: {"hour": 12, "minute": 1}
